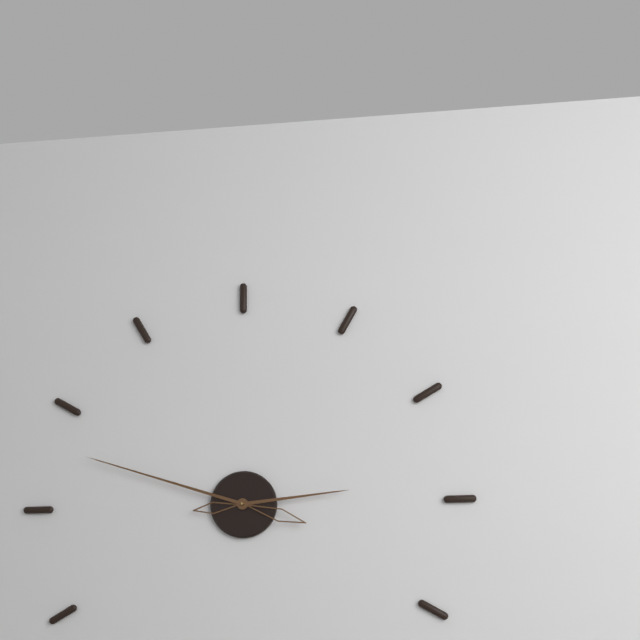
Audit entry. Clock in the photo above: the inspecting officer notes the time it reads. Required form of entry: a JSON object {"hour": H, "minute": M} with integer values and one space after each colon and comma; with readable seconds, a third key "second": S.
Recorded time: {"hour": 2, "minute": 48}
